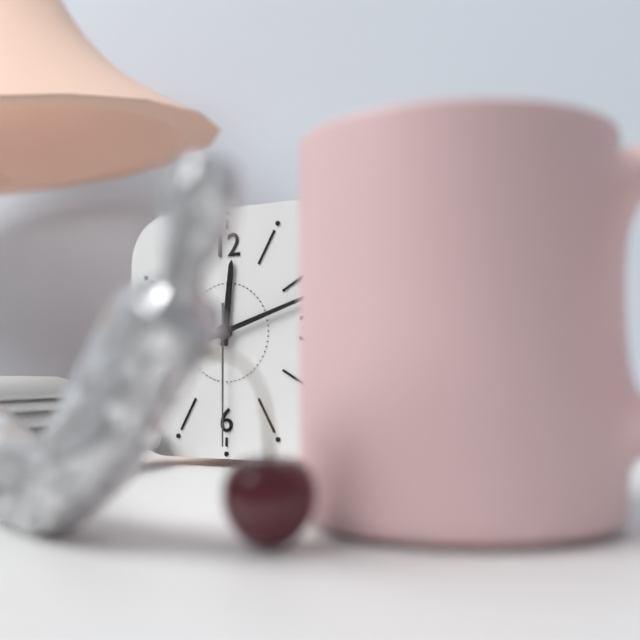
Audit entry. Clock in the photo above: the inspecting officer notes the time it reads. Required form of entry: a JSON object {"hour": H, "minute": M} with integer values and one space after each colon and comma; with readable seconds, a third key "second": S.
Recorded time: {"hour": 12, "minute": 12, "second": 30}
